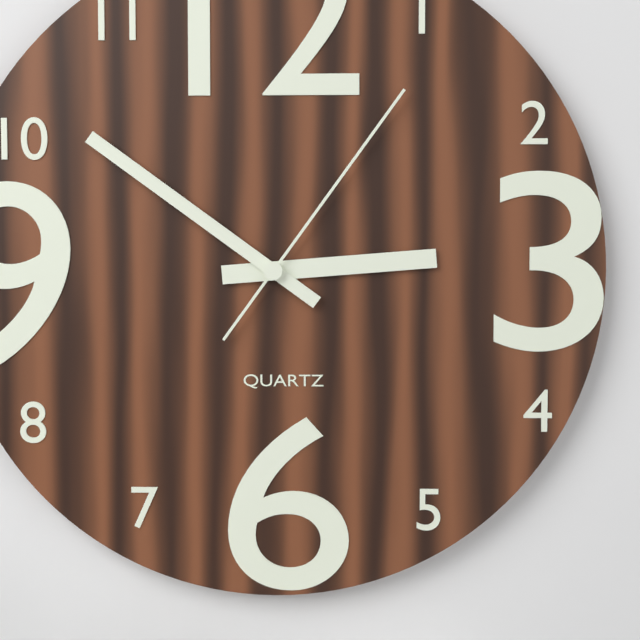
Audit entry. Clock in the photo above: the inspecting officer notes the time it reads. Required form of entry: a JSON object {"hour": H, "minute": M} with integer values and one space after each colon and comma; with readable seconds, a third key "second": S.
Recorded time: {"hour": 2, "minute": 51, "second": 6}
